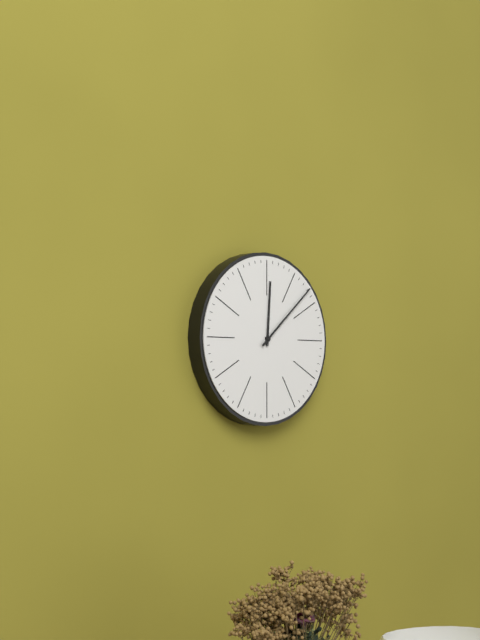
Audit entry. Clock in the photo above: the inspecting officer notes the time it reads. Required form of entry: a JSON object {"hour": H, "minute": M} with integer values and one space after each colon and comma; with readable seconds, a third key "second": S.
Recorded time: {"hour": 12, "minute": 8}
